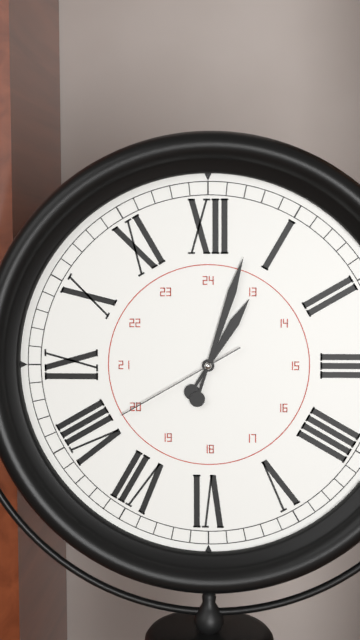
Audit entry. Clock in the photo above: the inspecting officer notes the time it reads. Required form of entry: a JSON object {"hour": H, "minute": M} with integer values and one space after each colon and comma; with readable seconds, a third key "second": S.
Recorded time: {"hour": 1, "minute": 3, "second": 40}
